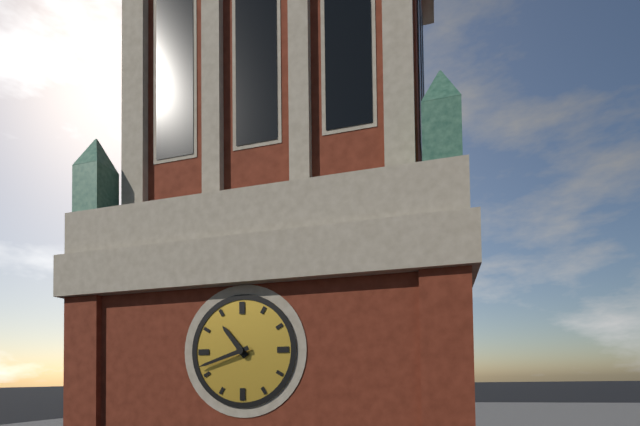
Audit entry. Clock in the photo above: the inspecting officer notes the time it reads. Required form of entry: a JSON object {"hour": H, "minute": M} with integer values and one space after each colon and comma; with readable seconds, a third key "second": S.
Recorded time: {"hour": 10, "minute": 42}
